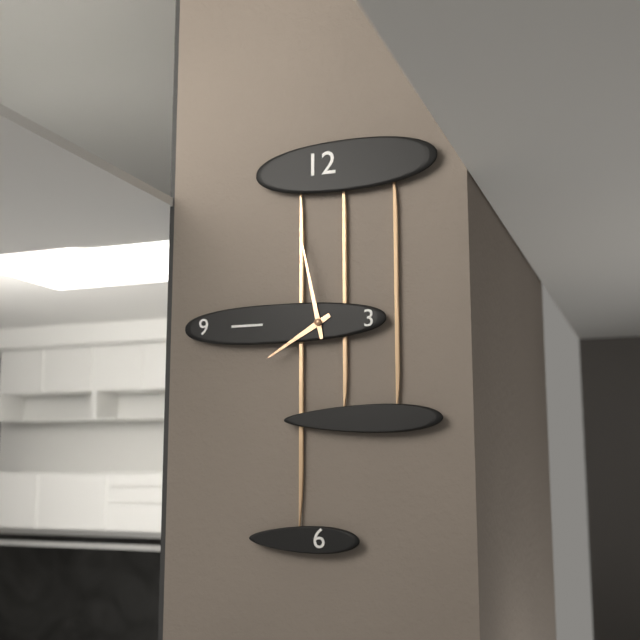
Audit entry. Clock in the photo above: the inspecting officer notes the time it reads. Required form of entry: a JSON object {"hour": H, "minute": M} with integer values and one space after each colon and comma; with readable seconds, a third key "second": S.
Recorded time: {"hour": 7, "minute": 58}
